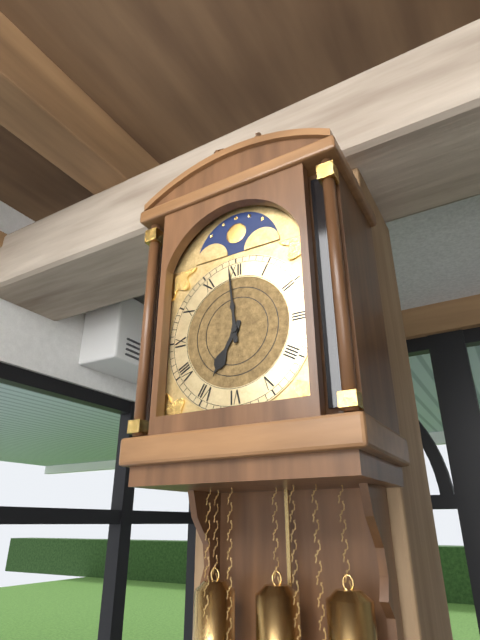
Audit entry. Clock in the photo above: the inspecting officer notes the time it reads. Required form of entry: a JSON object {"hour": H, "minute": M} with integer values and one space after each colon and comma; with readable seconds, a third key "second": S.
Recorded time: {"hour": 6, "minute": 59}
